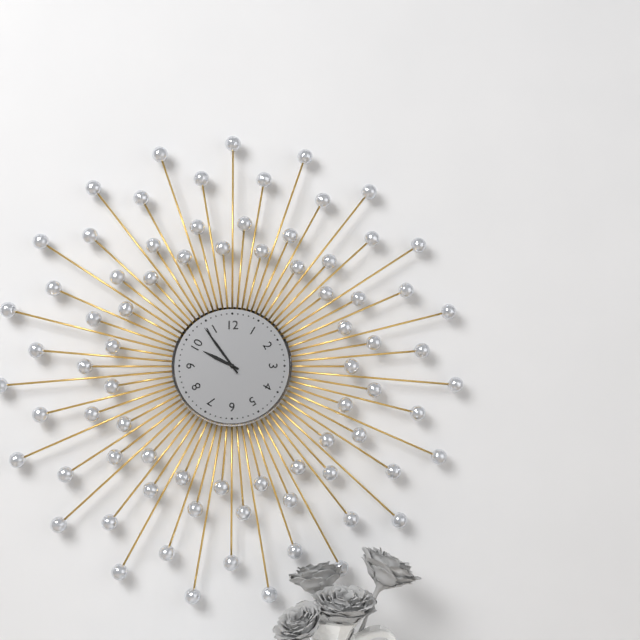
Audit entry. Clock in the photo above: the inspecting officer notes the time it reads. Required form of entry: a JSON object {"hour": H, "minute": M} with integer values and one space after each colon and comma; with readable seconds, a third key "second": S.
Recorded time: {"hour": 9, "minute": 54}
